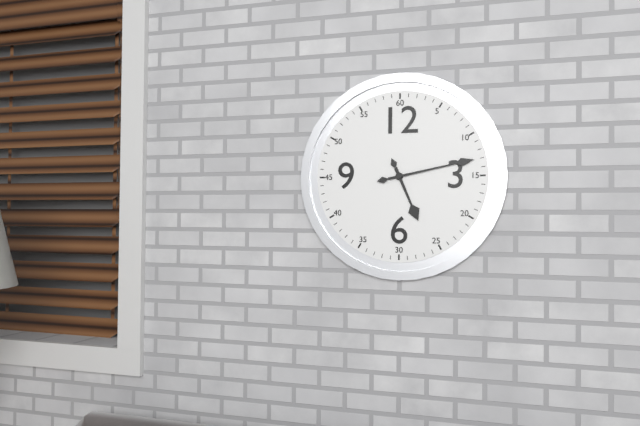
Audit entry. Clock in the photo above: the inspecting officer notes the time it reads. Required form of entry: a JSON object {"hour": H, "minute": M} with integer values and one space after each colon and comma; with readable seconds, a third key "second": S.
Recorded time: {"hour": 5, "minute": 13}
